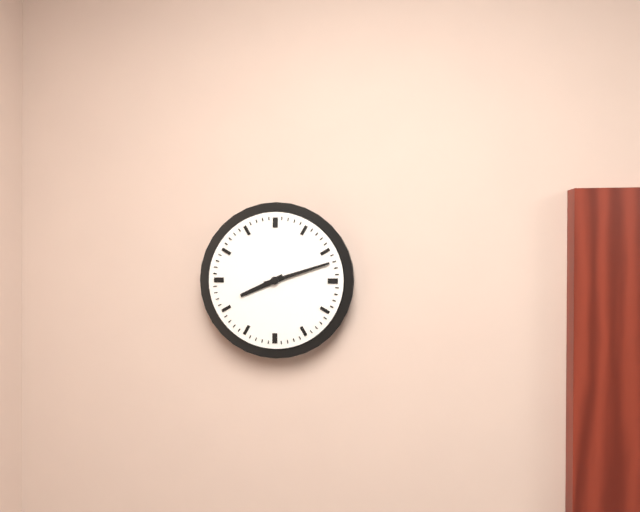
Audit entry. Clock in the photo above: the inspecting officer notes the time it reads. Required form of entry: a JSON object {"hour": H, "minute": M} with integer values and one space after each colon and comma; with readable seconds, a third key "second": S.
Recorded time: {"hour": 8, "minute": 12}
